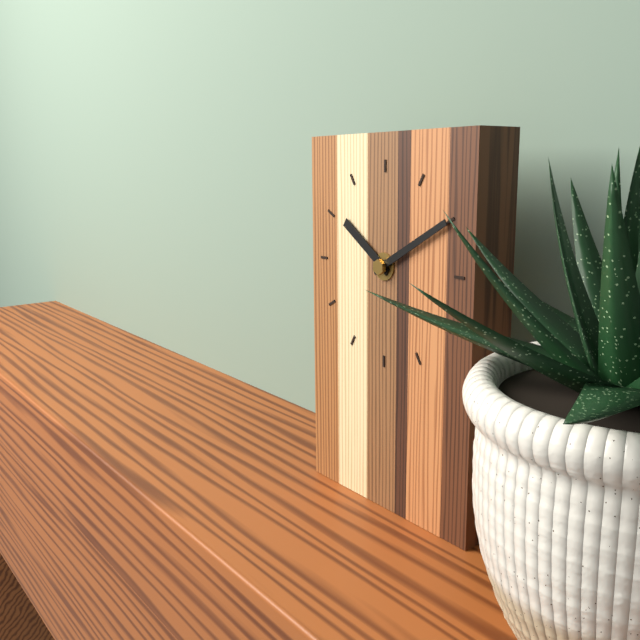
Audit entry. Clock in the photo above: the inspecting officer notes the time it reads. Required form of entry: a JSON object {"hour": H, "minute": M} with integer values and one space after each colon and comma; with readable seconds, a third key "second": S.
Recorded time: {"hour": 10, "minute": 10}
